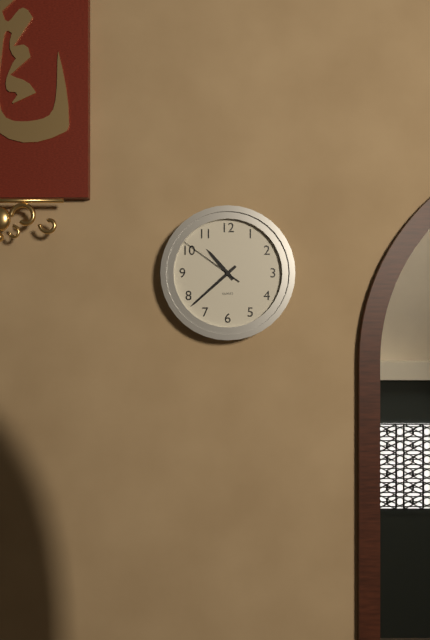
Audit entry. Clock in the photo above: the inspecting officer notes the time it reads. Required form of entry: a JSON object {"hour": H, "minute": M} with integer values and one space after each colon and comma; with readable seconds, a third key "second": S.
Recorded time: {"hour": 10, "minute": 38, "second": 51}
